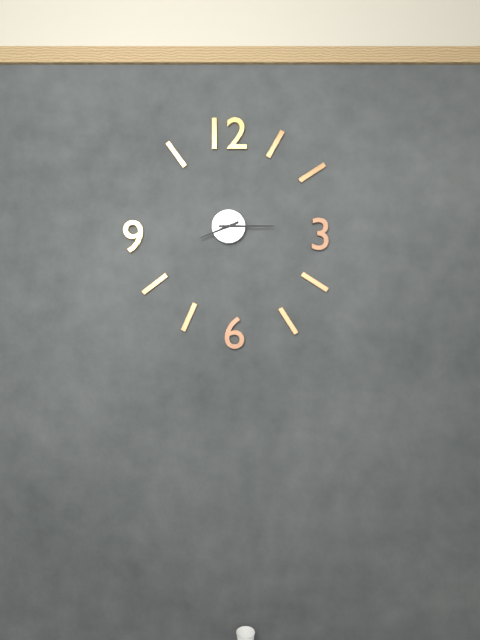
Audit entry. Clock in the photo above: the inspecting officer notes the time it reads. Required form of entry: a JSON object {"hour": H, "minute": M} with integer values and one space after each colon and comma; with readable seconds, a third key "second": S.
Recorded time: {"hour": 8, "minute": 15}
